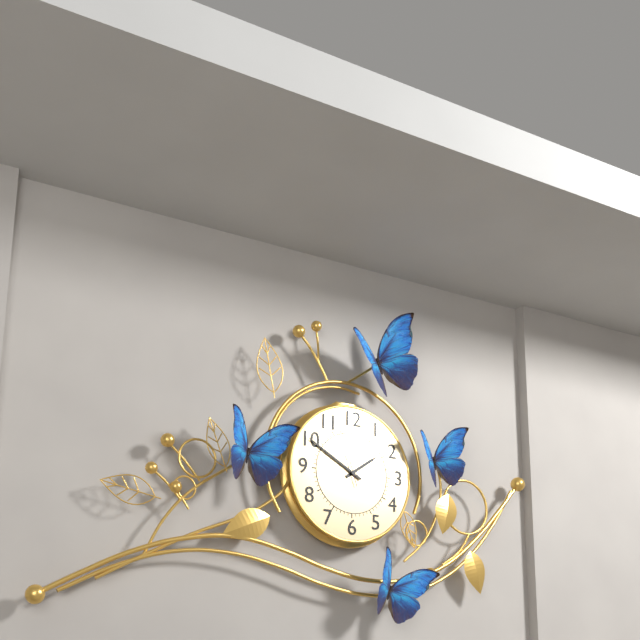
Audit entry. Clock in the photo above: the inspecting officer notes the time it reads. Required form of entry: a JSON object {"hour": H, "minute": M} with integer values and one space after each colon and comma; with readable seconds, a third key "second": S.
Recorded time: {"hour": 1, "minute": 50, "second": 57}
